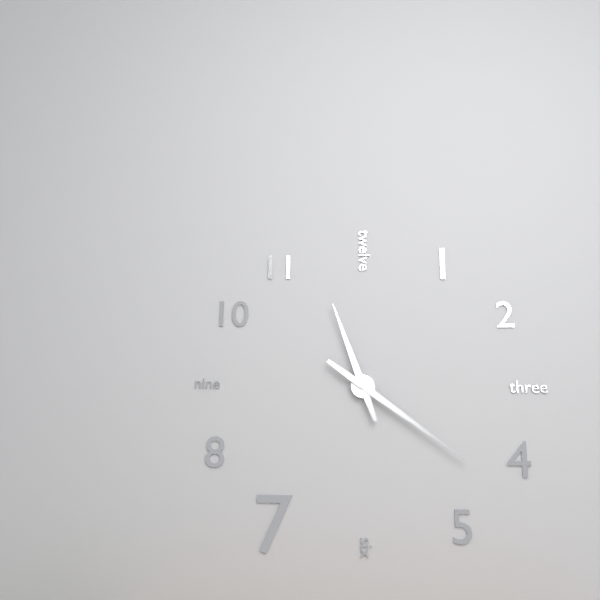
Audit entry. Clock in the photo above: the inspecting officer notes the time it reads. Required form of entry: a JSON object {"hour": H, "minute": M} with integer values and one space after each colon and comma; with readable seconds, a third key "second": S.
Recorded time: {"hour": 11, "minute": 21}
